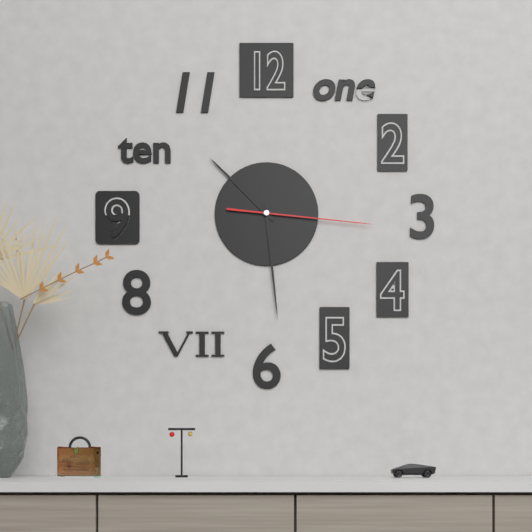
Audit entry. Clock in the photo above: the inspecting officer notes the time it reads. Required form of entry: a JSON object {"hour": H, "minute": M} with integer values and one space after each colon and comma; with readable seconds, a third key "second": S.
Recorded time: {"hour": 10, "minute": 29, "second": 16}
